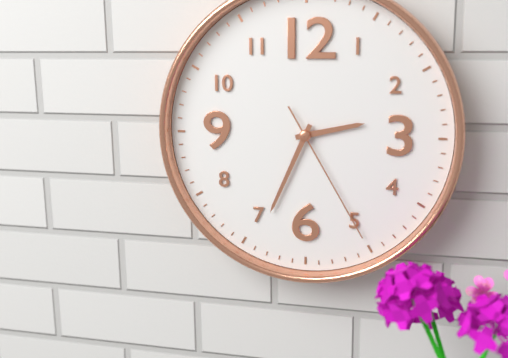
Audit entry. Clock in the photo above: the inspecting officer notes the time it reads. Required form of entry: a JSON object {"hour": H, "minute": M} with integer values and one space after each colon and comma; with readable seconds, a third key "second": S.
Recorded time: {"hour": 2, "minute": 34, "second": 25}
